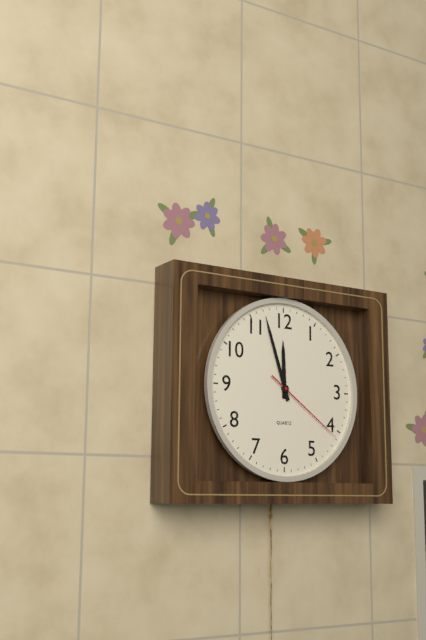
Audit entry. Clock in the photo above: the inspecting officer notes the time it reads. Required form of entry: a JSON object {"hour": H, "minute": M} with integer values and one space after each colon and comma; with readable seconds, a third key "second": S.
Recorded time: {"hour": 11, "minute": 57, "second": 21}
